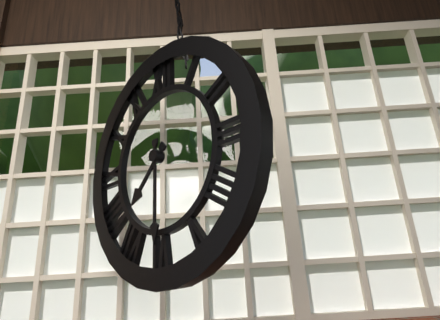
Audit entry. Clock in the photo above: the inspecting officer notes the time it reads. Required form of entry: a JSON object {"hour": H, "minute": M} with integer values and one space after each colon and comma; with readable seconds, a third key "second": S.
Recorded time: {"hour": 7, "minute": 30}
